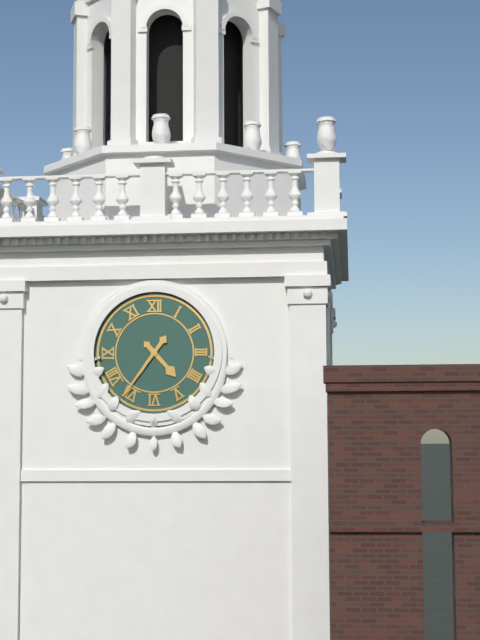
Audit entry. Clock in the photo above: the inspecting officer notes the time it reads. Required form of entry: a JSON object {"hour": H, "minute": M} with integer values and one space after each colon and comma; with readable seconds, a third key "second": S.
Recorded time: {"hour": 4, "minute": 36}
